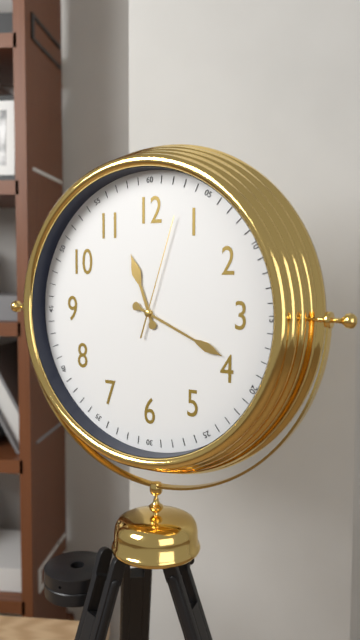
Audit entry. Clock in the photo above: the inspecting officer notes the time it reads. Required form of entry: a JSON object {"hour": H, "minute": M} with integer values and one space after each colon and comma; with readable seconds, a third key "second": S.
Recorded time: {"hour": 11, "minute": 19, "second": 3}
